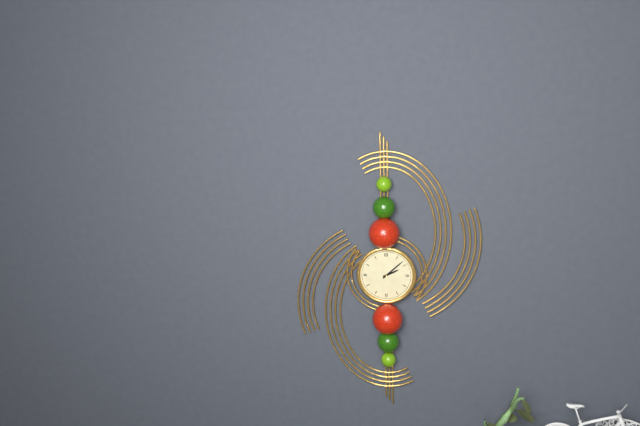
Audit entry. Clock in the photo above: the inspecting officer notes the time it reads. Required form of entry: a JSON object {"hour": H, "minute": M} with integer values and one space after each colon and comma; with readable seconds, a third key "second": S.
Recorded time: {"hour": 2, "minute": 8}
